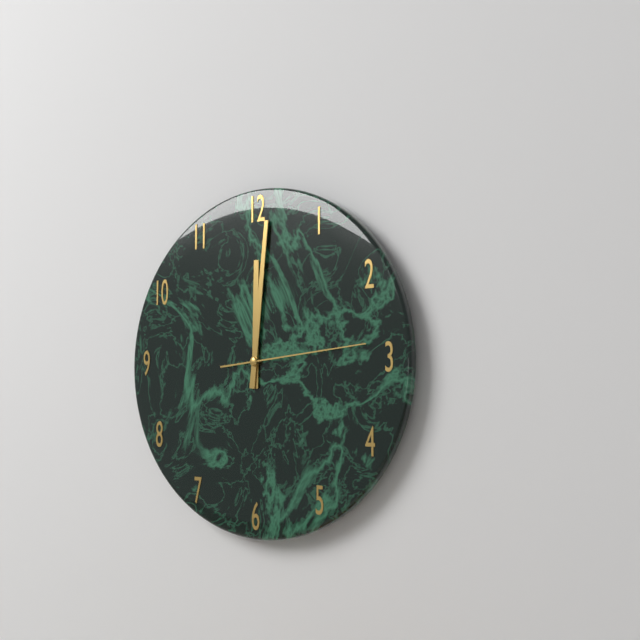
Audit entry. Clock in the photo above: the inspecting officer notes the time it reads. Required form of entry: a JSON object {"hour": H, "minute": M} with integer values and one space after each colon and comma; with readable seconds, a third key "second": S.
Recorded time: {"hour": 12, "minute": 1, "second": 14}
